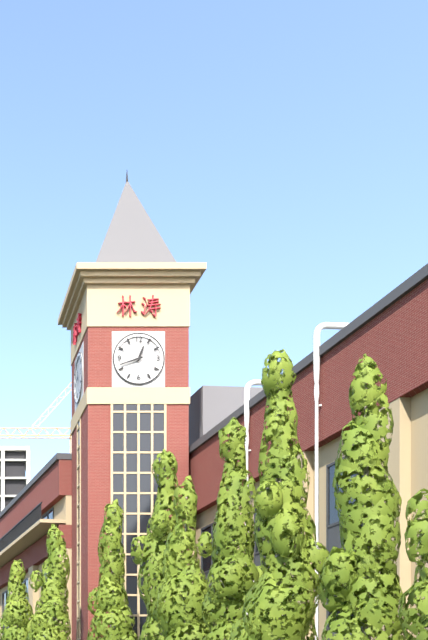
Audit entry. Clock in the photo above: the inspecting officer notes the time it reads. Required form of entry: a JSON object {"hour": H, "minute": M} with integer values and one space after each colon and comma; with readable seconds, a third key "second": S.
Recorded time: {"hour": 12, "minute": 42}
